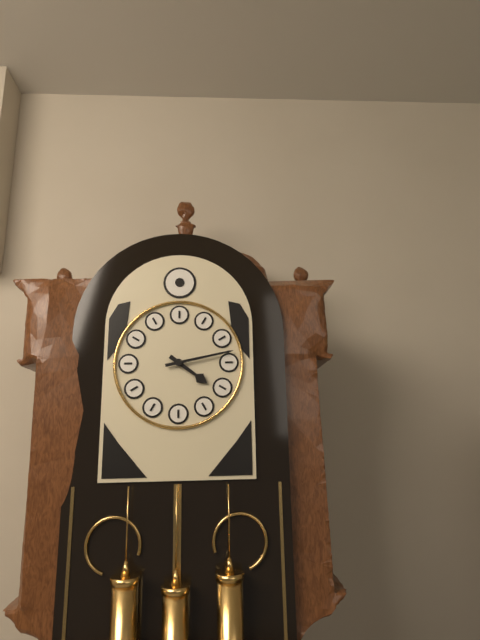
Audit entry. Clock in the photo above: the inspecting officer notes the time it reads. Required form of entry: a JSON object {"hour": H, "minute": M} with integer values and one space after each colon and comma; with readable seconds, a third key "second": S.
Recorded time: {"hour": 4, "minute": 13}
